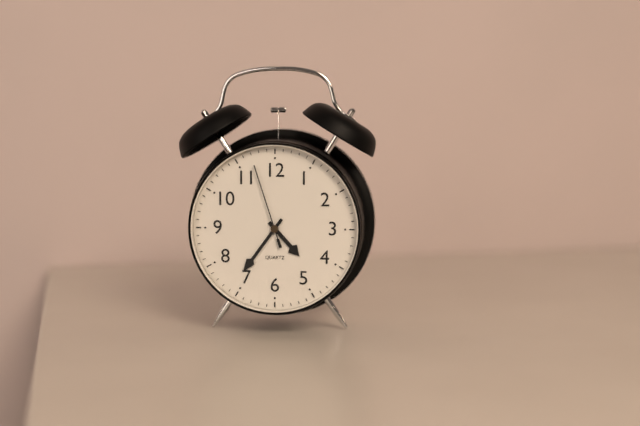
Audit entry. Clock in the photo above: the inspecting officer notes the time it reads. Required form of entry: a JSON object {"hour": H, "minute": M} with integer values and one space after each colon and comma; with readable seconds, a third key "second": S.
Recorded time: {"hour": 4, "minute": 36, "second": 57}
